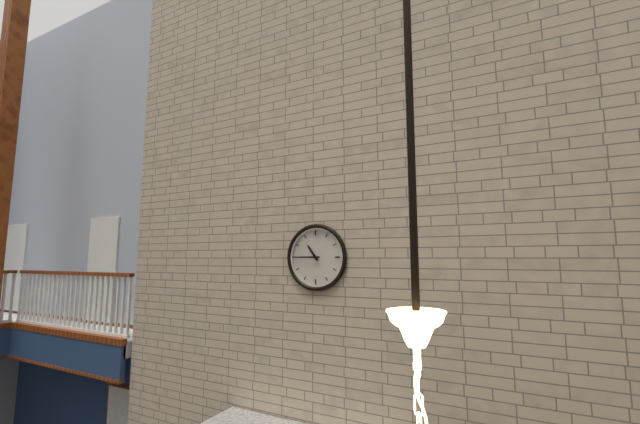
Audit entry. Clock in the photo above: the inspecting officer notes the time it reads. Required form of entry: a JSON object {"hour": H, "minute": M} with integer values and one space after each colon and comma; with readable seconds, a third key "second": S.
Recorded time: {"hour": 10, "minute": 45}
